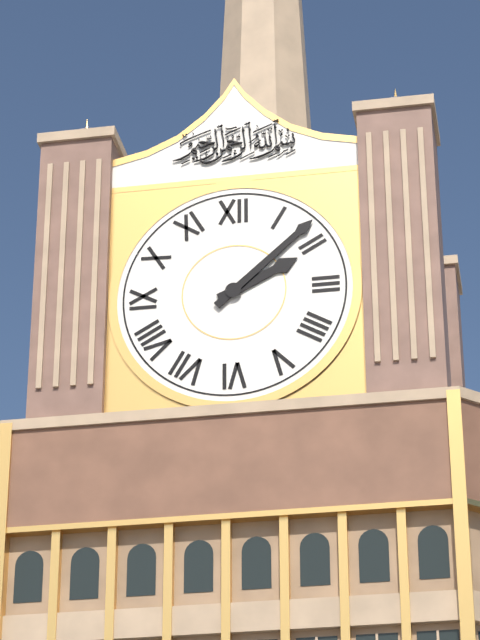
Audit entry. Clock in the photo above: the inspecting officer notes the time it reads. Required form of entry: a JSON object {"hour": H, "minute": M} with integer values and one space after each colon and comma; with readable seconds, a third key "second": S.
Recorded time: {"hour": 2, "minute": 8}
